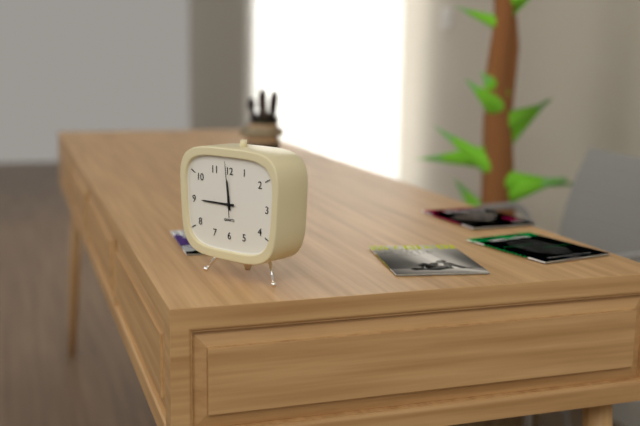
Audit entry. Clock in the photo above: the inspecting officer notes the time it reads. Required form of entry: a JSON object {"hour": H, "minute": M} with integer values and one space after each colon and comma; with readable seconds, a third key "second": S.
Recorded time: {"hour": 11, "minute": 45, "second": 59}
